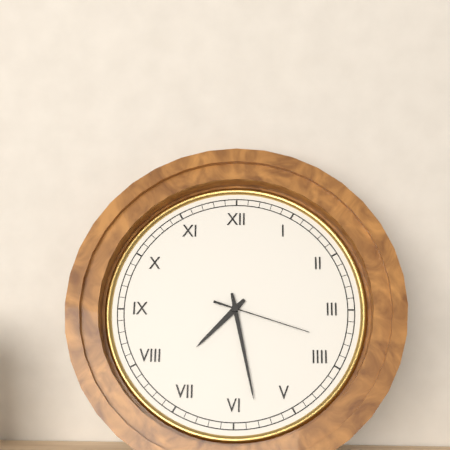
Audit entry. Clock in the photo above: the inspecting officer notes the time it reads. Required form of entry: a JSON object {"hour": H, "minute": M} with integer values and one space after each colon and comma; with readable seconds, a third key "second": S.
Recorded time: {"hour": 7, "minute": 28, "second": 18}
